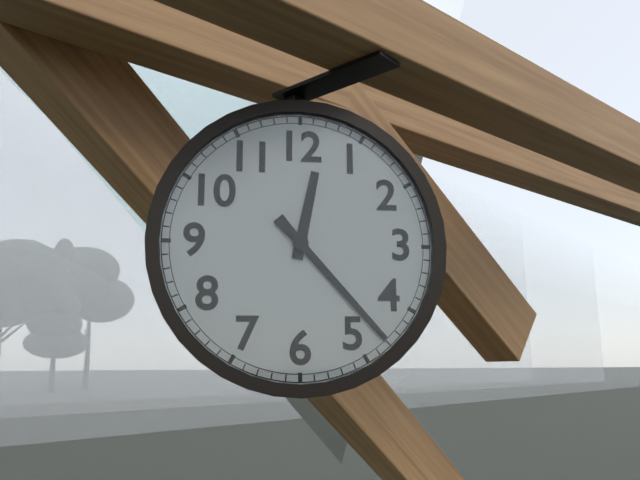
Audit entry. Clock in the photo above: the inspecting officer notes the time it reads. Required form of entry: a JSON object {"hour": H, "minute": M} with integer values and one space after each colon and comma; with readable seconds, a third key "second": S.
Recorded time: {"hour": 12, "minute": 23}
